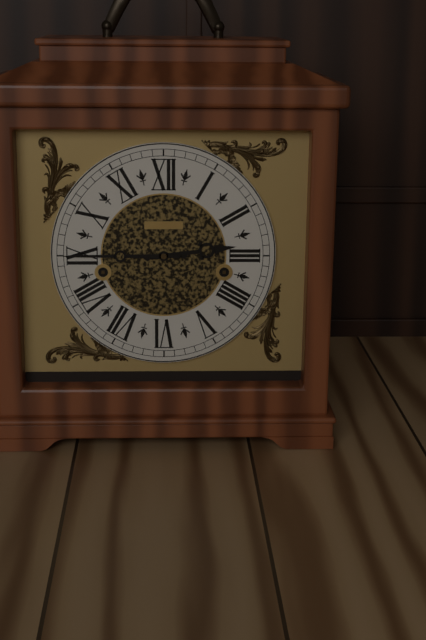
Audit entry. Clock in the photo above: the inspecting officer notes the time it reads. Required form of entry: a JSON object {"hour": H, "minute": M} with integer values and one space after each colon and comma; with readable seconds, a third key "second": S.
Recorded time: {"hour": 2, "minute": 45}
